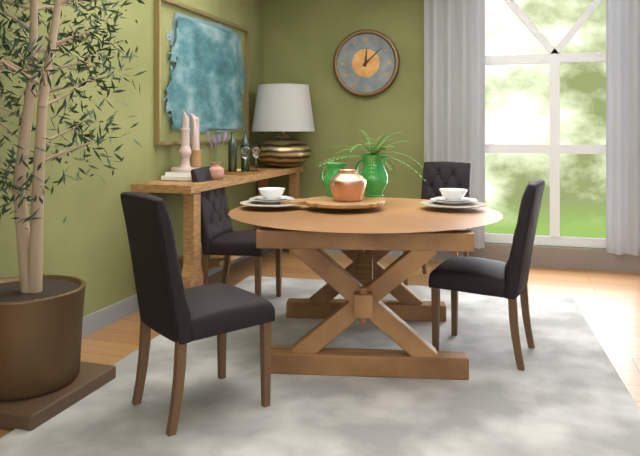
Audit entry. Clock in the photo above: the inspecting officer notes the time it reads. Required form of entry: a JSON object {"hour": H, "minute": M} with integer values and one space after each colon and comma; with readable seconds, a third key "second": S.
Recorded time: {"hour": 12, "minute": 8}
